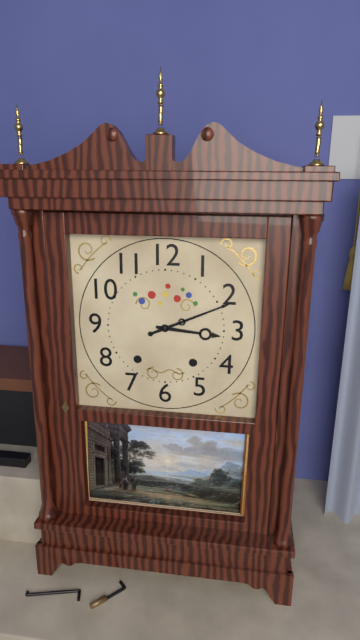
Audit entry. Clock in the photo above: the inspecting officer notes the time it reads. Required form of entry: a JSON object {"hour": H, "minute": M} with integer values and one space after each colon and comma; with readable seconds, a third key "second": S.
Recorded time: {"hour": 3, "minute": 11}
